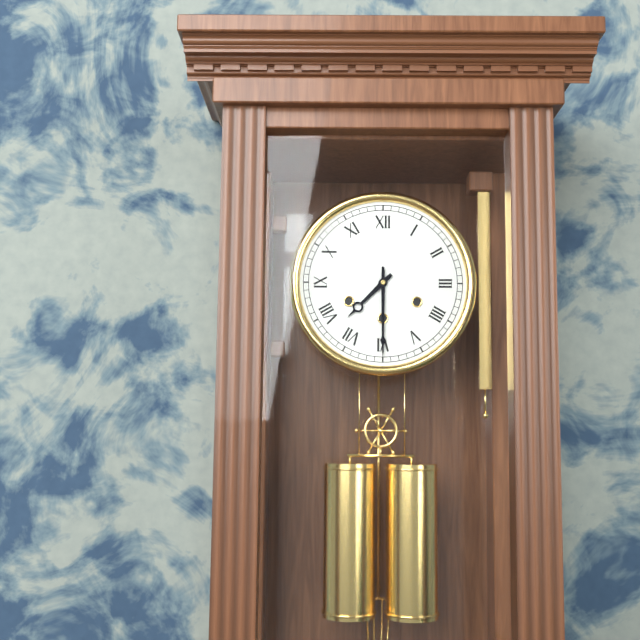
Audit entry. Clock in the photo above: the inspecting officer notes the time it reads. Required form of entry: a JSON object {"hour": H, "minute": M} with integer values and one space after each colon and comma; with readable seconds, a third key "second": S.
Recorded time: {"hour": 7, "minute": 30}
